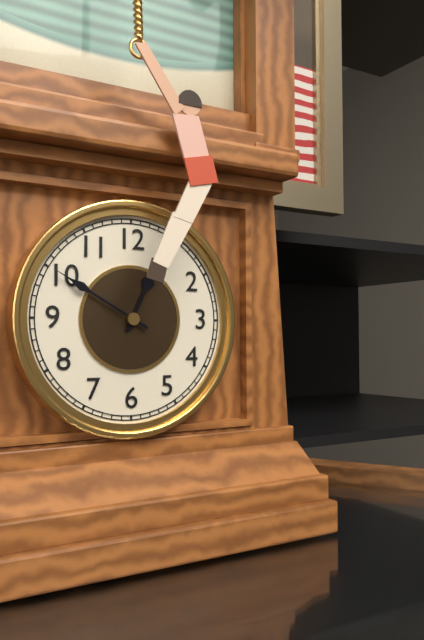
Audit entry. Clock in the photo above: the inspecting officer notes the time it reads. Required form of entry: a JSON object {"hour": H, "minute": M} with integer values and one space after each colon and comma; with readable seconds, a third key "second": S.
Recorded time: {"hour": 12, "minute": 50}
